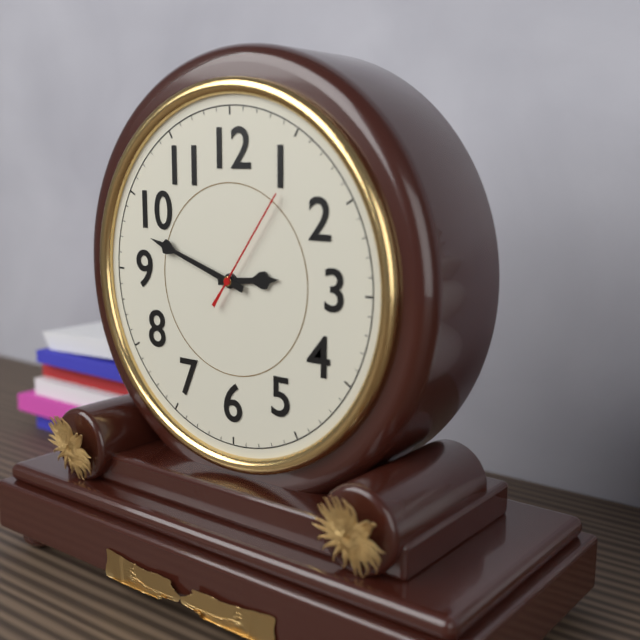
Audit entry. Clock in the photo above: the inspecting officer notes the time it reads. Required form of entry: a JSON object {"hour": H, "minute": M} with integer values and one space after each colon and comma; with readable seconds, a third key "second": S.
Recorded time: {"hour": 2, "minute": 48, "second": 6}
